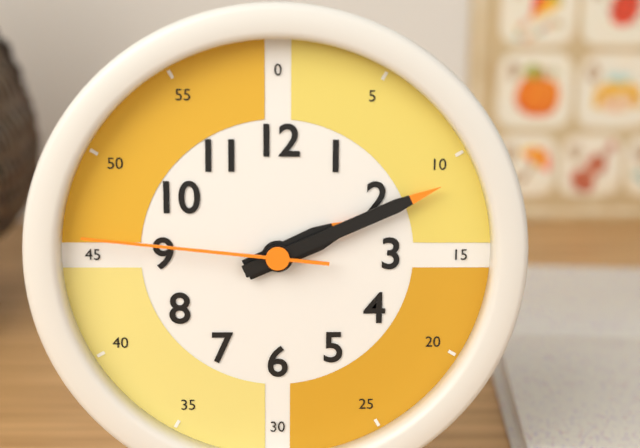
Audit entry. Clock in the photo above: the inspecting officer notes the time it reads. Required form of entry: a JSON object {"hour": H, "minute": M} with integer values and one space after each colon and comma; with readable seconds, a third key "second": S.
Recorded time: {"hour": 2, "minute": 11, "second": 46}
